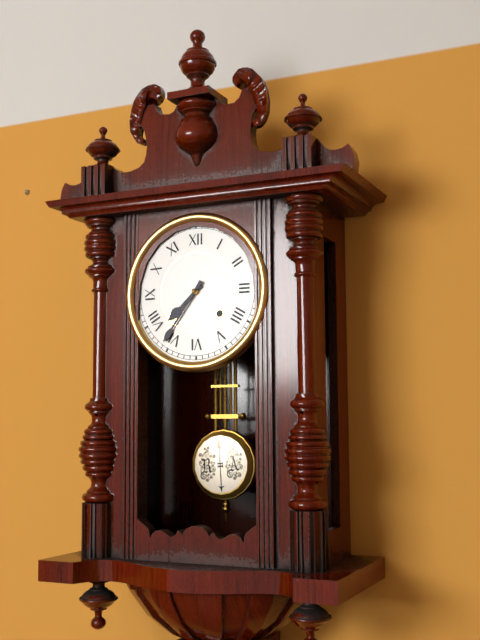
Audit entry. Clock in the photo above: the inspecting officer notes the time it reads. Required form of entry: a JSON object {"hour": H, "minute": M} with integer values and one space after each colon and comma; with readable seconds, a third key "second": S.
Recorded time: {"hour": 7, "minute": 36}
